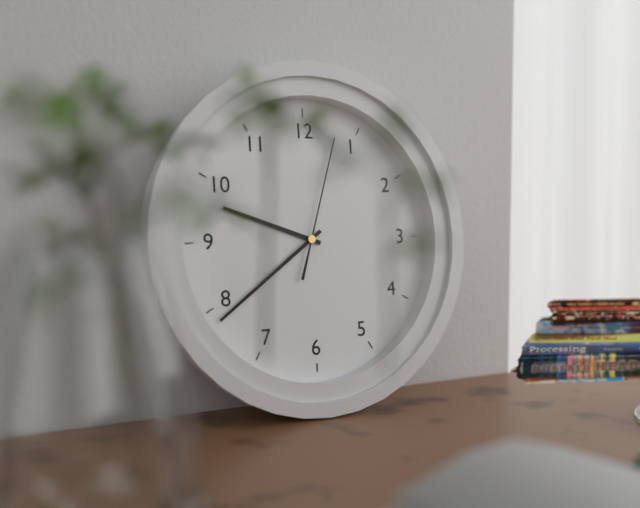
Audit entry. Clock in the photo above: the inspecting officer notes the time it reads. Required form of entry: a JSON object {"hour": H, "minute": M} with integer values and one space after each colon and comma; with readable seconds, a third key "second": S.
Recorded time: {"hour": 9, "minute": 39, "second": 3}
